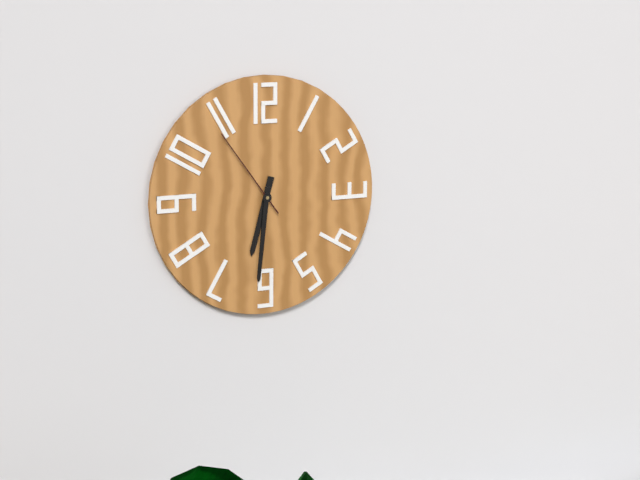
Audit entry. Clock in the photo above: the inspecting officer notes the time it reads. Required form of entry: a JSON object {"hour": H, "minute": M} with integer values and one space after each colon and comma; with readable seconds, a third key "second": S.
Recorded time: {"hour": 6, "minute": 31, "second": 54}
